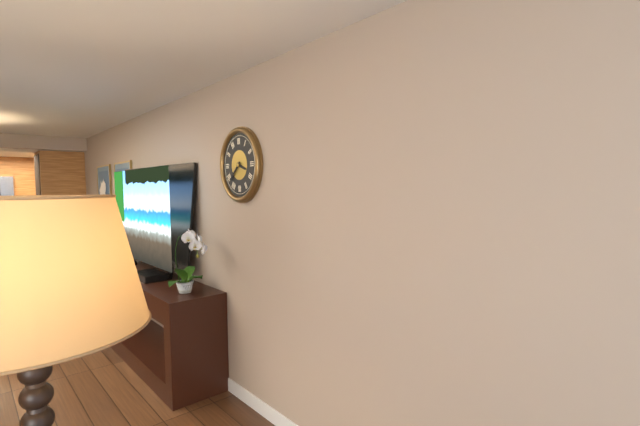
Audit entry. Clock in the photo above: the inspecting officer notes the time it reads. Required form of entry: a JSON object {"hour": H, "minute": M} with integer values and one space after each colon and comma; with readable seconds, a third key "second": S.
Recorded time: {"hour": 3, "minute": 38}
